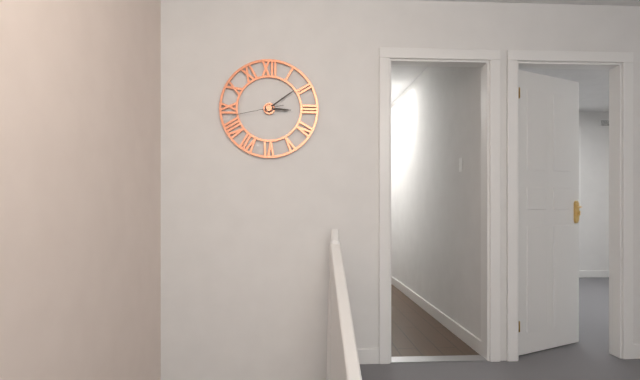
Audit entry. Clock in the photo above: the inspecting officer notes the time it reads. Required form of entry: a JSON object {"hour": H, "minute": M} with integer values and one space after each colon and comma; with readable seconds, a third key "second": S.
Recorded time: {"hour": 3, "minute": 9}
